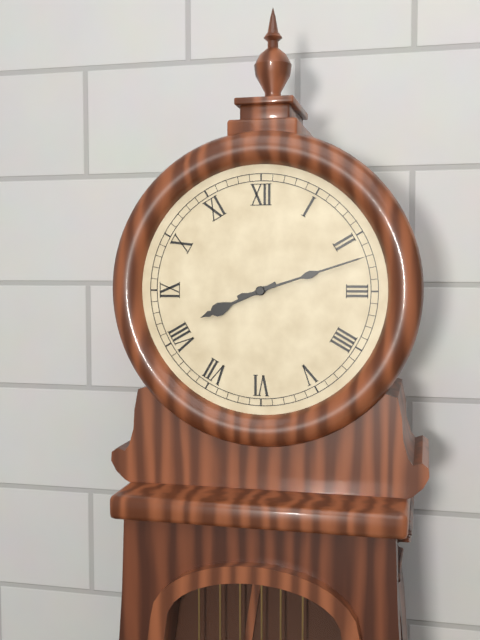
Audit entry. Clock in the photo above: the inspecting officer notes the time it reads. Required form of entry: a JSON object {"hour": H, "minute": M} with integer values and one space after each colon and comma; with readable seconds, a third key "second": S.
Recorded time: {"hour": 8, "minute": 12}
